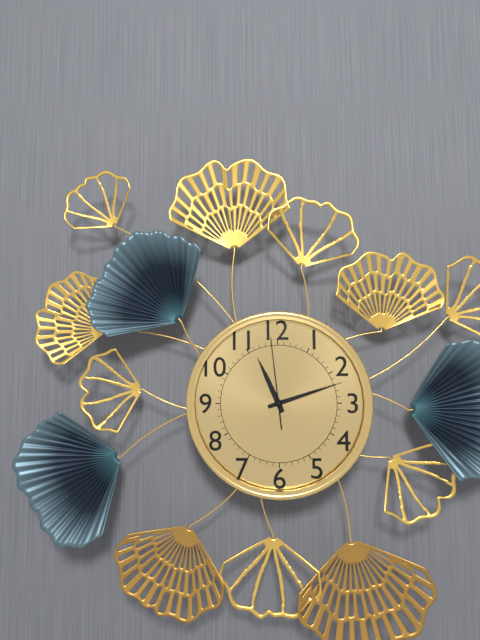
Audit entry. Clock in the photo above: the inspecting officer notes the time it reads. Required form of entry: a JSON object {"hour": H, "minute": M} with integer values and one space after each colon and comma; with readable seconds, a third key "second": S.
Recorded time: {"hour": 11, "minute": 12, "second": 59}
